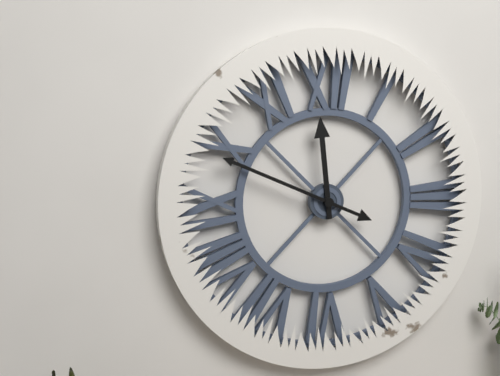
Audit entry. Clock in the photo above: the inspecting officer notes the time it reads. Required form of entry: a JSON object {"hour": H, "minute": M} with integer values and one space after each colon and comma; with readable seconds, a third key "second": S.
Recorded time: {"hour": 11, "minute": 49}
